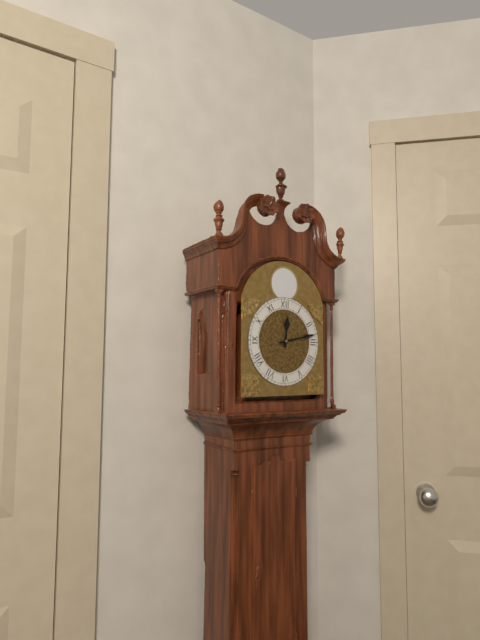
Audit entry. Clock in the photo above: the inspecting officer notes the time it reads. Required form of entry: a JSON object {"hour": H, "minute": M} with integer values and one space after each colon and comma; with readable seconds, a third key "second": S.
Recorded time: {"hour": 12, "minute": 13}
